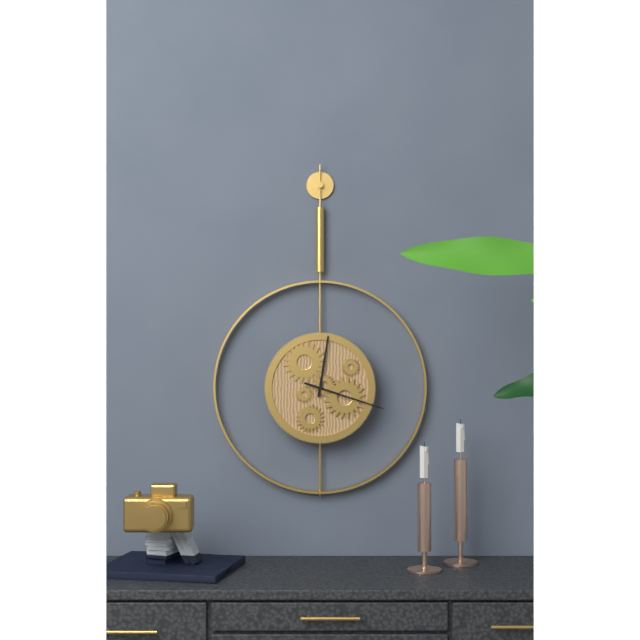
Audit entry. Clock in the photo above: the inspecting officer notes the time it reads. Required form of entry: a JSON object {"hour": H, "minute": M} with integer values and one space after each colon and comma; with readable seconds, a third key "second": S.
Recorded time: {"hour": 12, "minute": 18}
